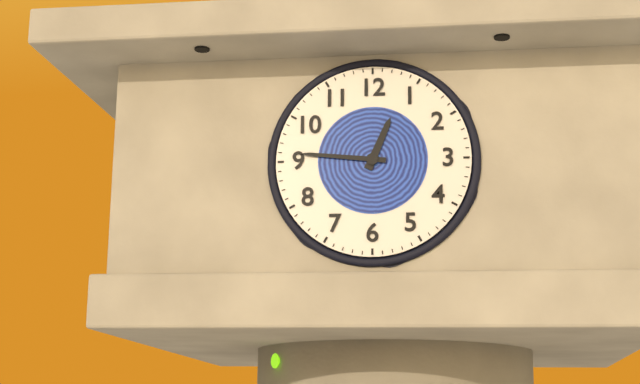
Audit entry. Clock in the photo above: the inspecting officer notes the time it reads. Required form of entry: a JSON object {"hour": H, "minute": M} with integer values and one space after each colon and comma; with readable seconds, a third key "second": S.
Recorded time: {"hour": 12, "minute": 46}
